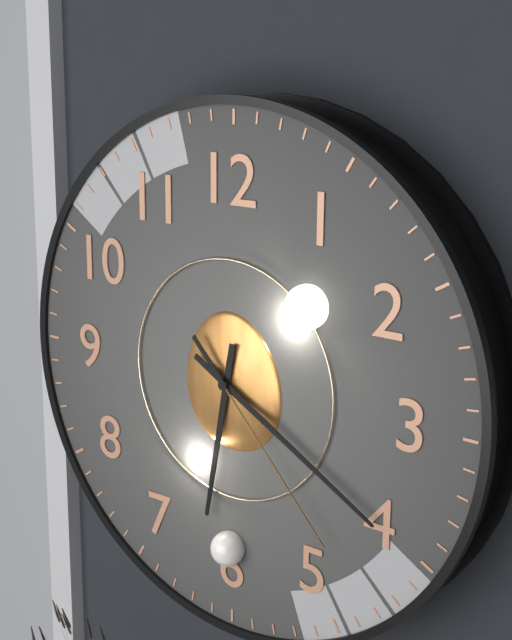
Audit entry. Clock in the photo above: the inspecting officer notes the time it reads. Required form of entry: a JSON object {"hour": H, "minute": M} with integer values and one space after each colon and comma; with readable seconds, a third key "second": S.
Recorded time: {"hour": 6, "minute": 20, "second": 23}
